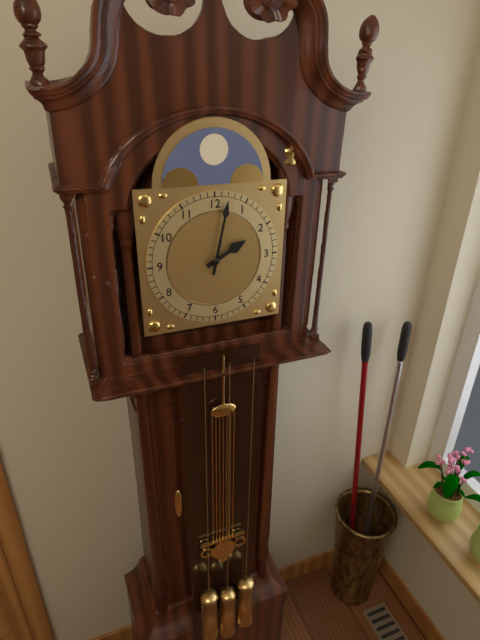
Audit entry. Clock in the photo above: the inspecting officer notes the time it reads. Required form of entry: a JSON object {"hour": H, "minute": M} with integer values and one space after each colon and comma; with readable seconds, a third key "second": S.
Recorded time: {"hour": 2, "minute": 2}
